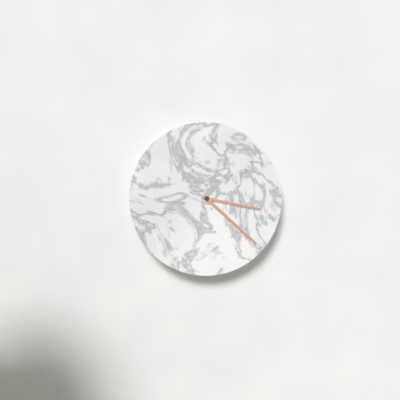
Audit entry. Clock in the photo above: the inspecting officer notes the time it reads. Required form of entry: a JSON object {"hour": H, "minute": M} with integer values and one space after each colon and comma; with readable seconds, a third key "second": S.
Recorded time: {"hour": 3, "minute": 22}
